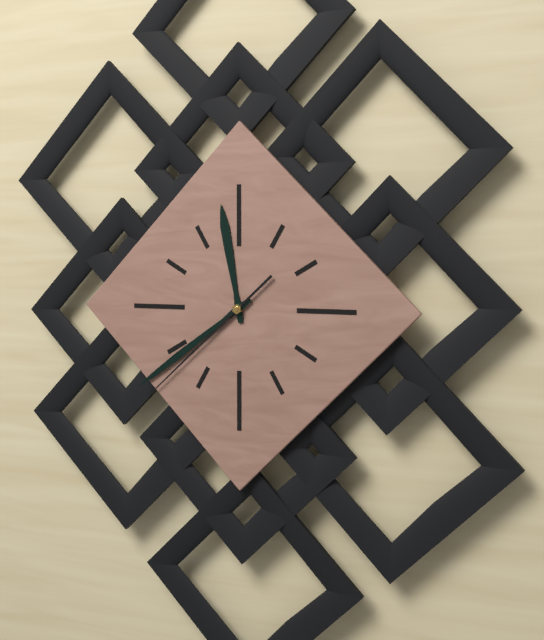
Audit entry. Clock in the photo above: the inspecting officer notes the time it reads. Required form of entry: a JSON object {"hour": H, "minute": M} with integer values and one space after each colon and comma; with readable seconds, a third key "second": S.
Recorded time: {"hour": 11, "minute": 39, "second": 38}
